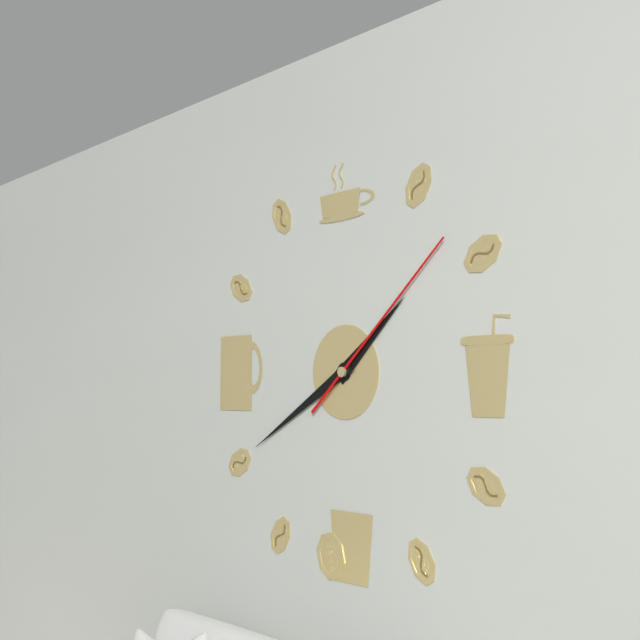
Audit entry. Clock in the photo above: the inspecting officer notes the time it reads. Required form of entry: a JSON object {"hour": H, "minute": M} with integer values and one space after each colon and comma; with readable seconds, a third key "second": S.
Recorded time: {"hour": 1, "minute": 40, "second": 8}
